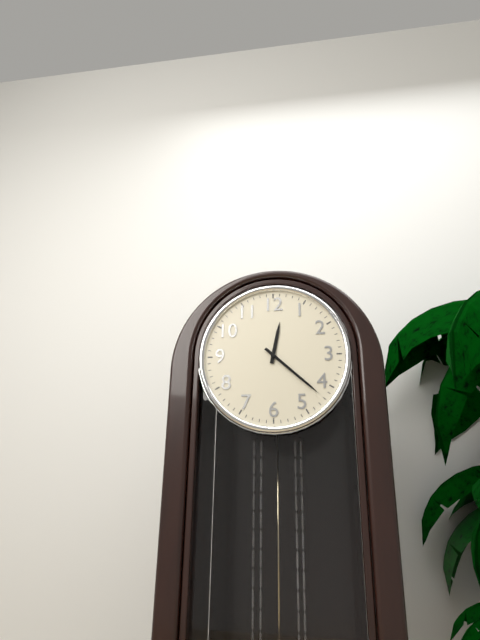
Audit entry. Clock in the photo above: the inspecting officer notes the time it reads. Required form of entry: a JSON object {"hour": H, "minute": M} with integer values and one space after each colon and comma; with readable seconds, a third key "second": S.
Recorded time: {"hour": 12, "minute": 22}
